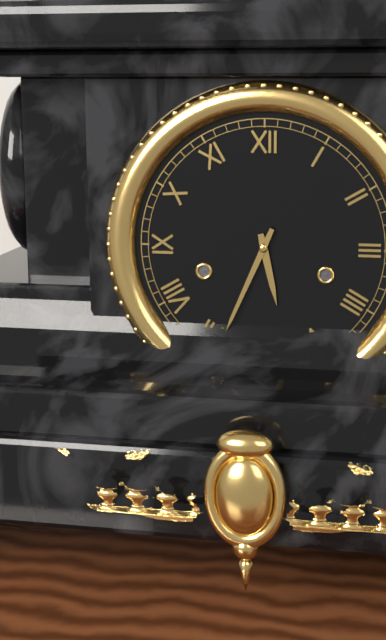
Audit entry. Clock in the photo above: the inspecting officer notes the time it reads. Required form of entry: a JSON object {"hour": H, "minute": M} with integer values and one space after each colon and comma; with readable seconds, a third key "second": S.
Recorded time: {"hour": 5, "minute": 34}
